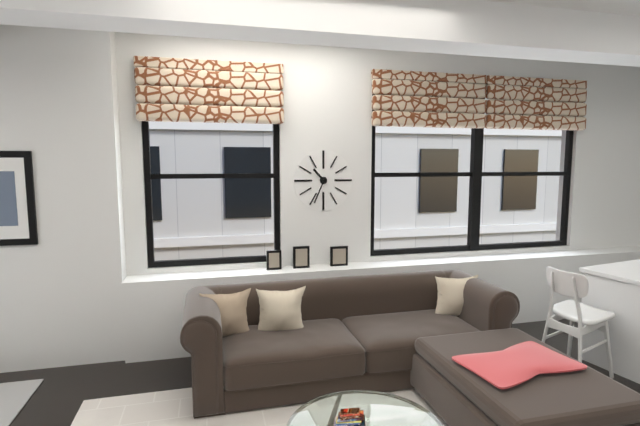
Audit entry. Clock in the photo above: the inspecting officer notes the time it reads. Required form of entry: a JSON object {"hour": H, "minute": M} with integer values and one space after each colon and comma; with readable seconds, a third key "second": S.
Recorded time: {"hour": 10, "minute": 34}
